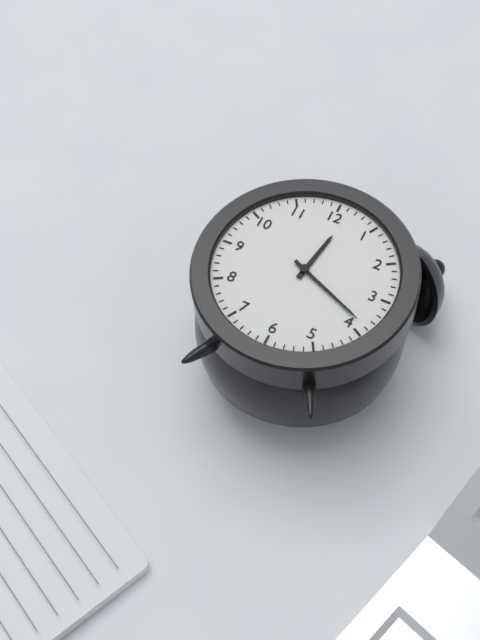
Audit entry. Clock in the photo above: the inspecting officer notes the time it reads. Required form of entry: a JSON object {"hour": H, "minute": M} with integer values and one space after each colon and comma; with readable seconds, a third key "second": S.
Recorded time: {"hour": 12, "minute": 19}
